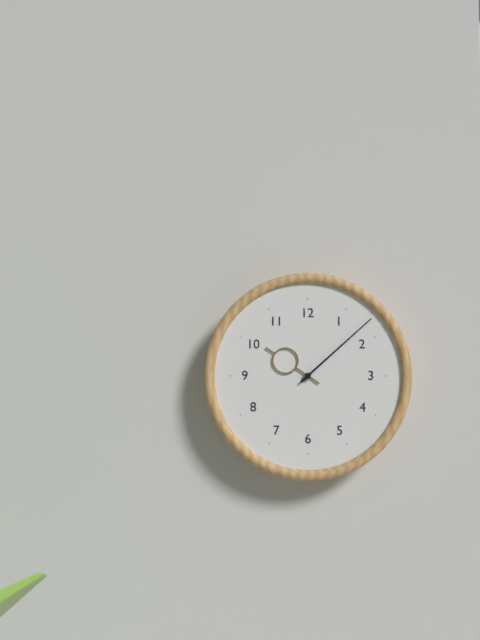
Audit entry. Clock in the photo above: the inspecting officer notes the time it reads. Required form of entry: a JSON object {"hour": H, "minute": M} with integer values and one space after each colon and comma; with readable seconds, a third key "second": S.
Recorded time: {"hour": 10, "minute": 8}
